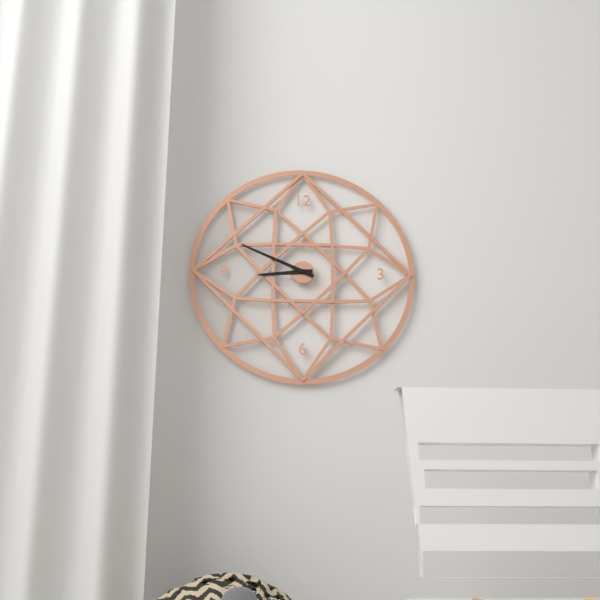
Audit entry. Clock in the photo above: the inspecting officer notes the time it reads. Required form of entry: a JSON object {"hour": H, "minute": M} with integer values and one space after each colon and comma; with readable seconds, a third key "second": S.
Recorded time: {"hour": 8, "minute": 49}
